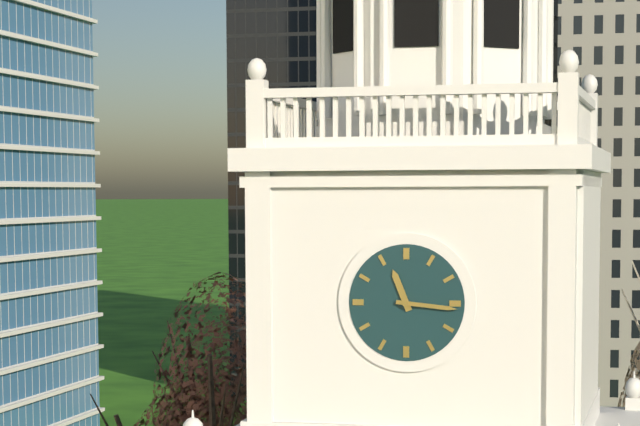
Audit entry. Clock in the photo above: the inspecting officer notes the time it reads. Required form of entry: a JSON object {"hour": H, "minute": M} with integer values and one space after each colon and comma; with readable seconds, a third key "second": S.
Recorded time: {"hour": 11, "minute": 16}
